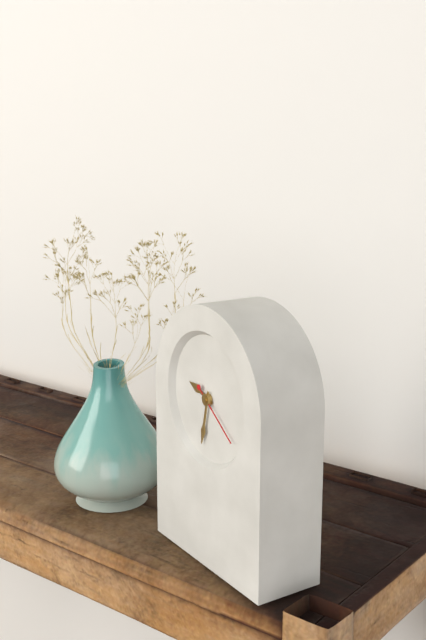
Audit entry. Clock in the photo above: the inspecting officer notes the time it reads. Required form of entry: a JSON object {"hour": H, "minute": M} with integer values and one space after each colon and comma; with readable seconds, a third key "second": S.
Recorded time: {"hour": 9, "minute": 32, "second": 21}
